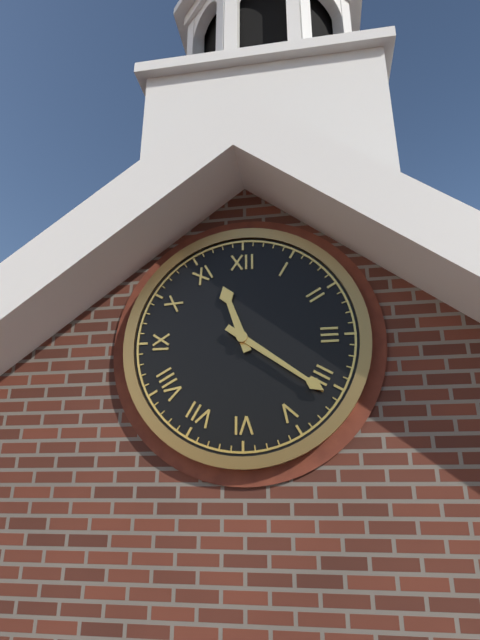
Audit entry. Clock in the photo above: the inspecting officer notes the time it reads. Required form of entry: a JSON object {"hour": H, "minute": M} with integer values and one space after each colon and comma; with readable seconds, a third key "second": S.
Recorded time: {"hour": 11, "minute": 21}
